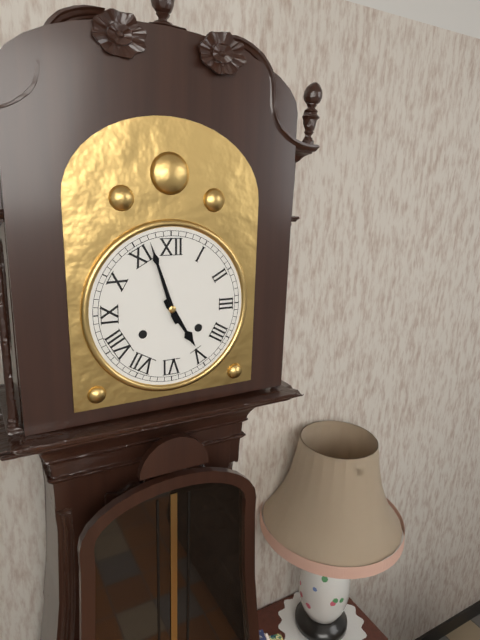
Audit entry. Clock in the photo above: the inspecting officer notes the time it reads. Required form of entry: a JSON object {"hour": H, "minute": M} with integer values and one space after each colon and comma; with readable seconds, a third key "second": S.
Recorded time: {"hour": 4, "minute": 57}
